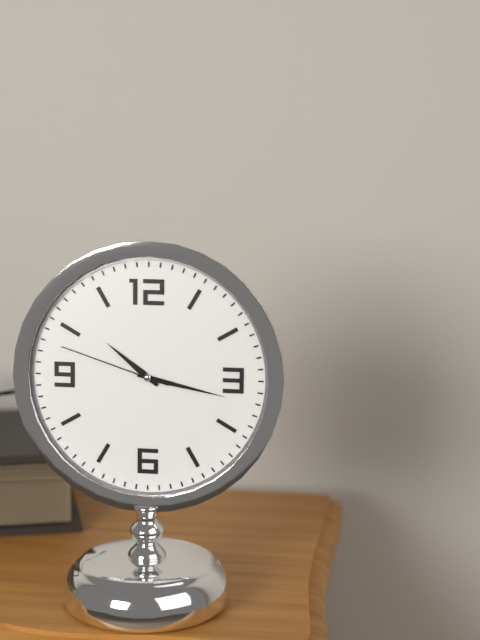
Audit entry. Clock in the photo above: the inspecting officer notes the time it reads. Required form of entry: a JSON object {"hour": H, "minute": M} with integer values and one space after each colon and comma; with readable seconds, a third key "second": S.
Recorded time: {"hour": 10, "minute": 17, "second": 48}
